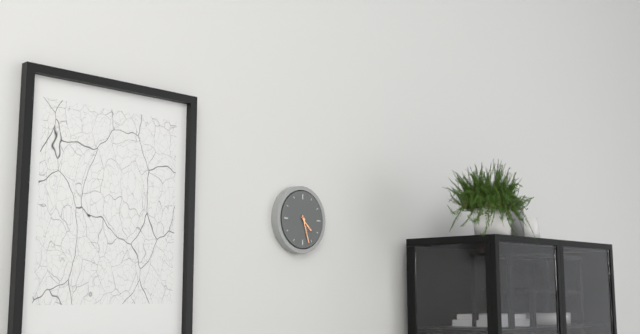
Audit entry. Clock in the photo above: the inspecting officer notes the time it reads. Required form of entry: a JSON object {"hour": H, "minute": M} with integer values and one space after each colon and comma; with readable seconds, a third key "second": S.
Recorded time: {"hour": 4, "minute": 27}
